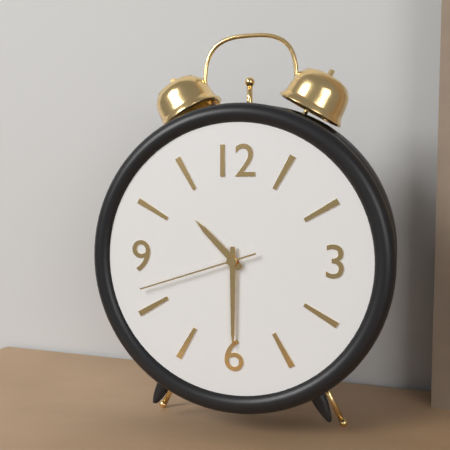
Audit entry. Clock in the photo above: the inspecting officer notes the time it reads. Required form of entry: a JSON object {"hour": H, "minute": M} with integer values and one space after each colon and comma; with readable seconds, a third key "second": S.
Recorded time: {"hour": 10, "minute": 30, "second": 42}
